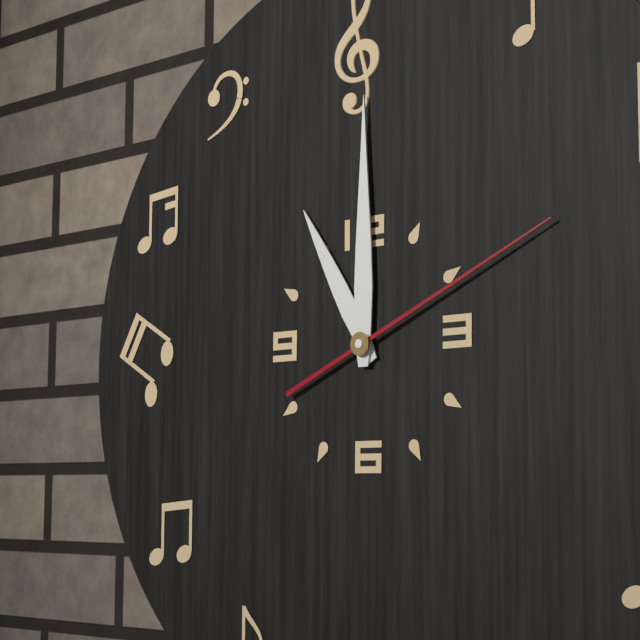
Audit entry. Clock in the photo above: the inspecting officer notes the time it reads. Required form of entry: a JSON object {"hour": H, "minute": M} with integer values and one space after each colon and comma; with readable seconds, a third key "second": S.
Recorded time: {"hour": 11, "minute": 0, "second": 11}
